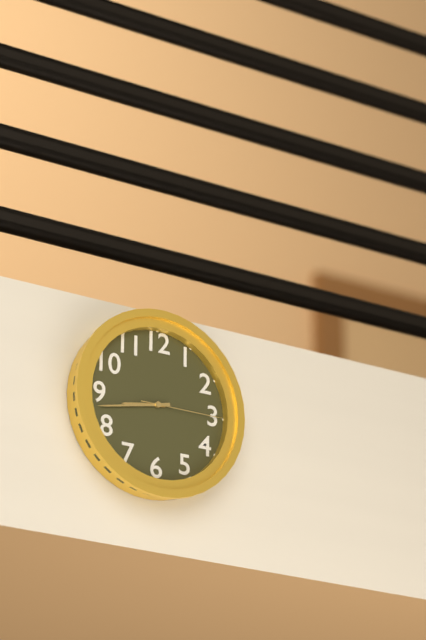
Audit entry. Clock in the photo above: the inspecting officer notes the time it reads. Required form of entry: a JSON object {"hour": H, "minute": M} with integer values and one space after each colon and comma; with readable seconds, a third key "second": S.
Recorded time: {"hour": 8, "minute": 43, "second": 15}
